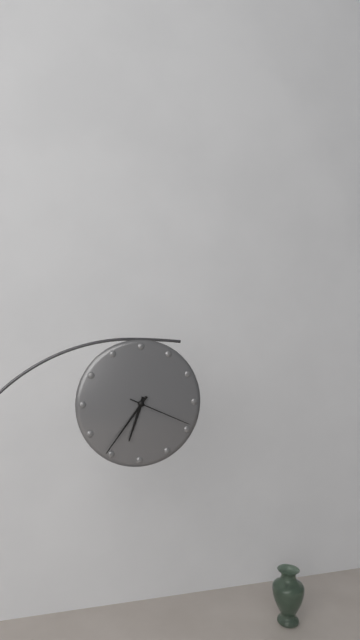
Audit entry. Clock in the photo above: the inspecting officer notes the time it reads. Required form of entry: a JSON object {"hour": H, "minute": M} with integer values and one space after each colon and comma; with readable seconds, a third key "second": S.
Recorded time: {"hour": 6, "minute": 36, "second": 19}
